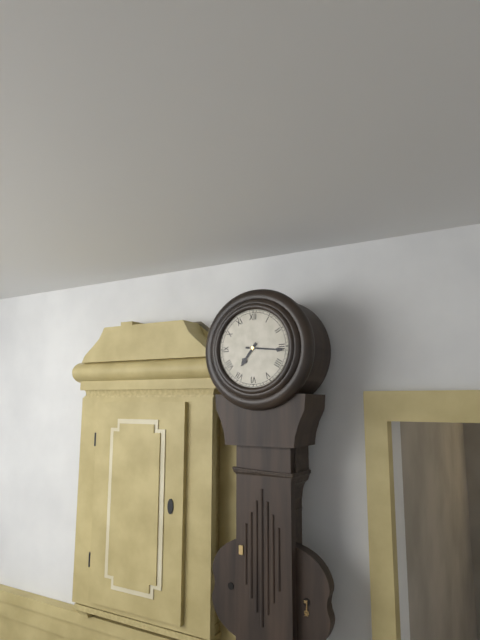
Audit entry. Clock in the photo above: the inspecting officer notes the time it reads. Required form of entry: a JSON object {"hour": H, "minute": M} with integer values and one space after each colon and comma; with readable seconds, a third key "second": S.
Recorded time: {"hour": 7, "minute": 16}
